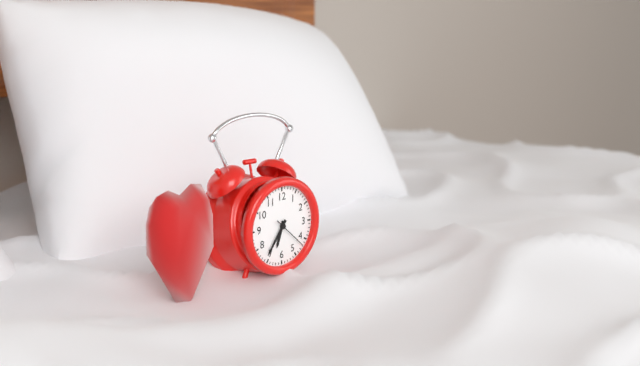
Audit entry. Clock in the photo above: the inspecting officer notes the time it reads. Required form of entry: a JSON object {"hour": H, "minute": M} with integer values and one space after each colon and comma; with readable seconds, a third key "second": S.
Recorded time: {"hour": 6, "minute": 36}
